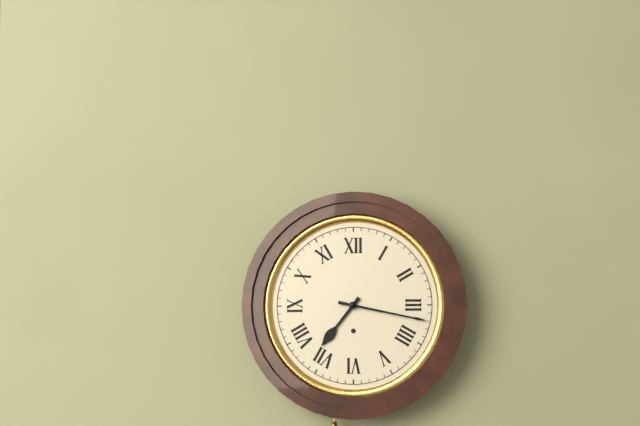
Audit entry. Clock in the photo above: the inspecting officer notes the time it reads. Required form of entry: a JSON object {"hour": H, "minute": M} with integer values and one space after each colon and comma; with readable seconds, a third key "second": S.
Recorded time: {"hour": 7, "minute": 17}
